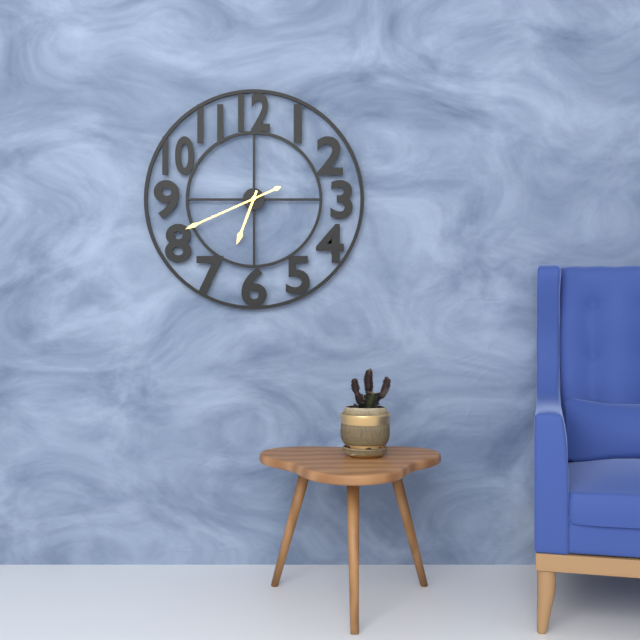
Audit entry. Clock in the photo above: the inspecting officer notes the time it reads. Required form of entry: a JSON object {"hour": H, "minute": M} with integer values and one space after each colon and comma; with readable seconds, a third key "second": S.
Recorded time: {"hour": 6, "minute": 41}
